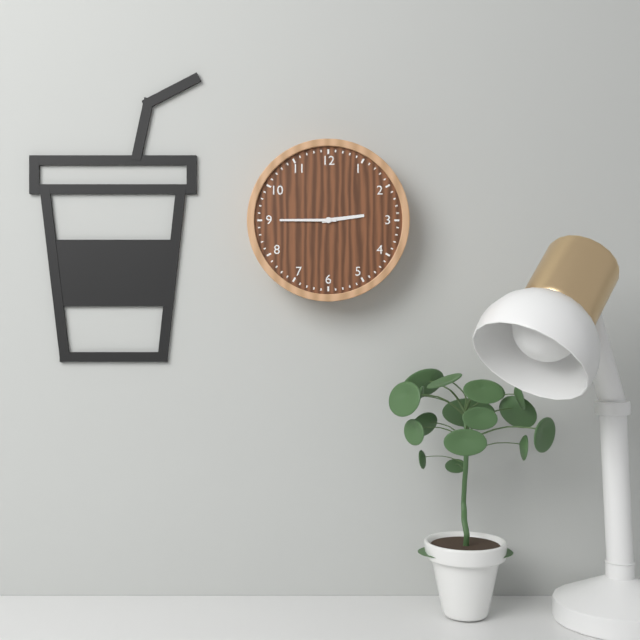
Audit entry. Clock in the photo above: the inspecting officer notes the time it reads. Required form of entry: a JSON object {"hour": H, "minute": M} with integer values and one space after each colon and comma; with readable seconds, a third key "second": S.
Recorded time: {"hour": 2, "minute": 45}
